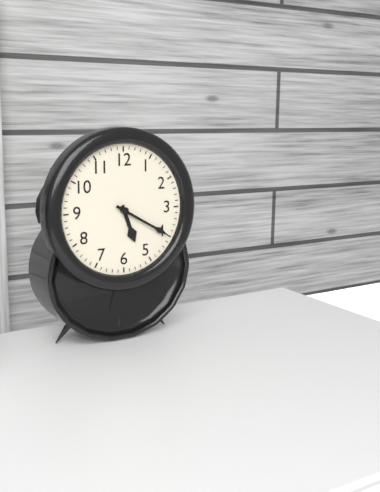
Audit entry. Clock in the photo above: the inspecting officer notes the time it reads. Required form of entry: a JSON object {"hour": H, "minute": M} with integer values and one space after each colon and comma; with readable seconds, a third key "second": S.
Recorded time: {"hour": 5, "minute": 20}
